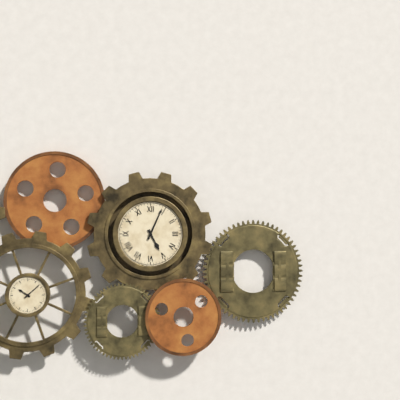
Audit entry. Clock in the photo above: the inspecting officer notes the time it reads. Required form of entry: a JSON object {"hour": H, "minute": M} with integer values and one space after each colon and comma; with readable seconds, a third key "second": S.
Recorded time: {"hour": 5, "minute": 4}
